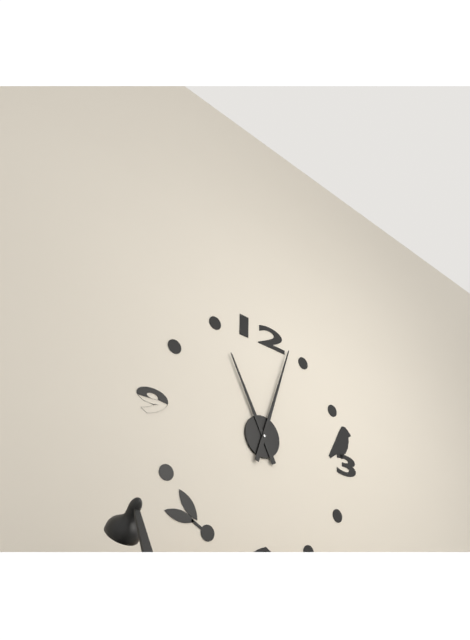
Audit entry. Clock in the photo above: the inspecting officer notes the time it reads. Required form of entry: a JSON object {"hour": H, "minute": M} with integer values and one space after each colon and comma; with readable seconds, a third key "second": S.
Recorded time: {"hour": 11, "minute": 3}
